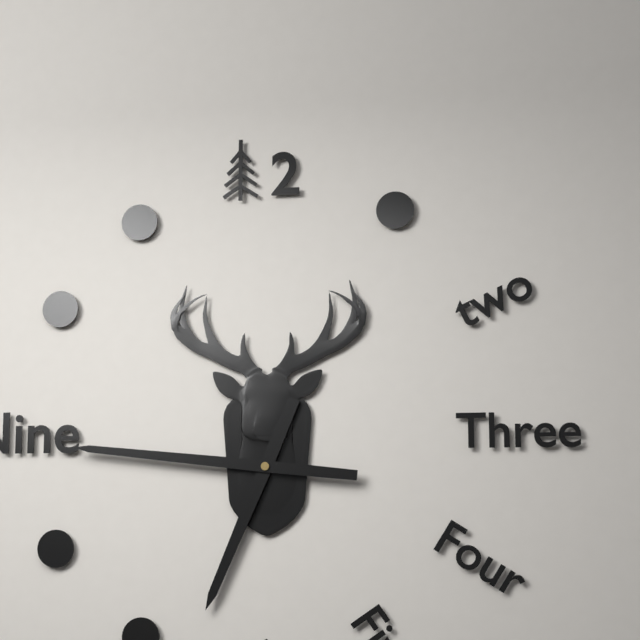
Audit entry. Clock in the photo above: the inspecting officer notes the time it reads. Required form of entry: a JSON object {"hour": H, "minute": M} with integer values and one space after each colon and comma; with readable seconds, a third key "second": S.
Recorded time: {"hour": 6, "minute": 46}
